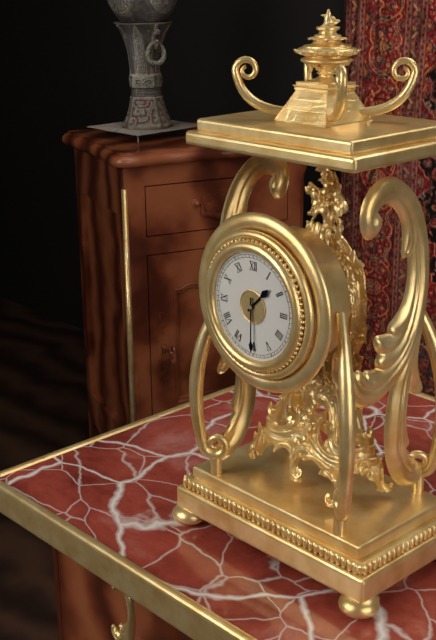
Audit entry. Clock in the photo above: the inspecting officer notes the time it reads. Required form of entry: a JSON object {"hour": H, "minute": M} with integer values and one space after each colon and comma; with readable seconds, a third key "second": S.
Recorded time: {"hour": 1, "minute": 30}
